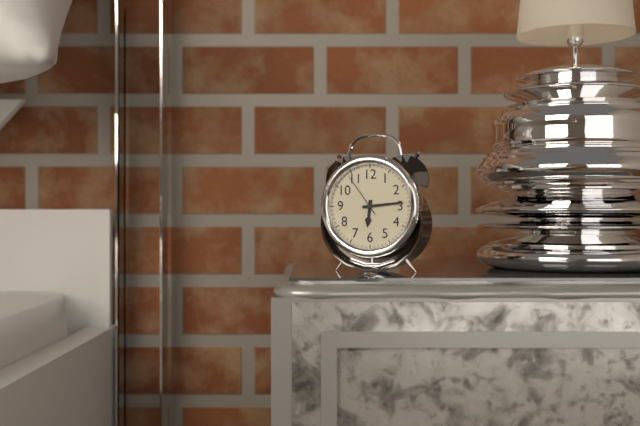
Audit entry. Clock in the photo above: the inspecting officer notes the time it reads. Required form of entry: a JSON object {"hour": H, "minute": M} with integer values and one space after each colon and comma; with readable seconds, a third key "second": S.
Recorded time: {"hour": 6, "minute": 14}
